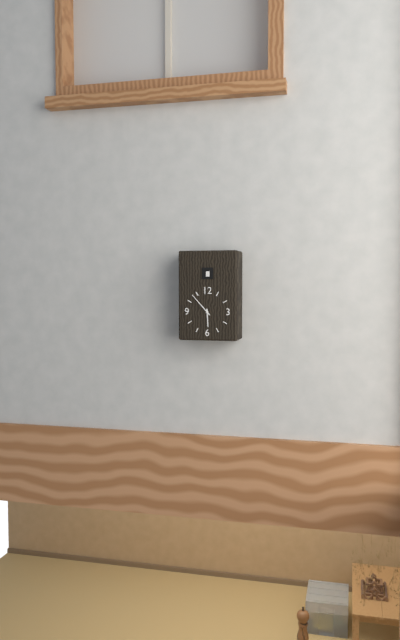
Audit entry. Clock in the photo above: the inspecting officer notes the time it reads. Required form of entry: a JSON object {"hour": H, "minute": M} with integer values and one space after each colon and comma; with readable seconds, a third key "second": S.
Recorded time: {"hour": 5, "minute": 53}
